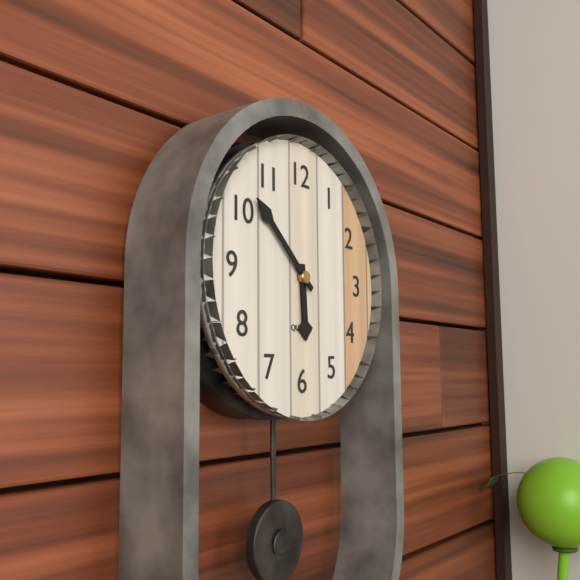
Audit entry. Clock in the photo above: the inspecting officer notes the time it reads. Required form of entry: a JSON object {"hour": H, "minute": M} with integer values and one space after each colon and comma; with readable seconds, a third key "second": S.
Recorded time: {"hour": 5, "minute": 52}
